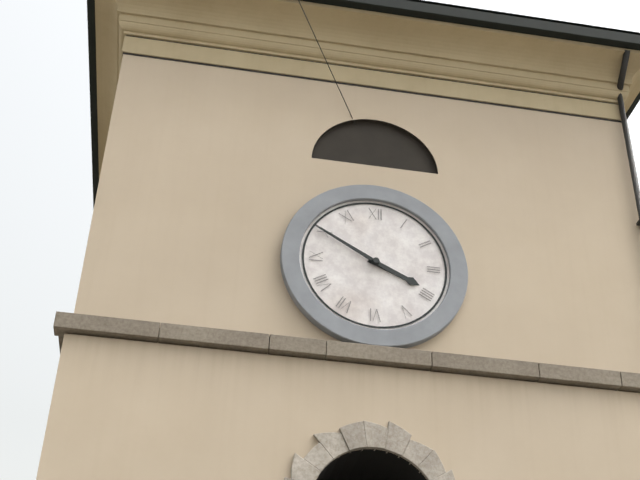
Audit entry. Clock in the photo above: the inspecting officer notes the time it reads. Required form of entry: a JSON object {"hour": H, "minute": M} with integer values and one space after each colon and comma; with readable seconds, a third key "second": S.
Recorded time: {"hour": 3, "minute": 50}
